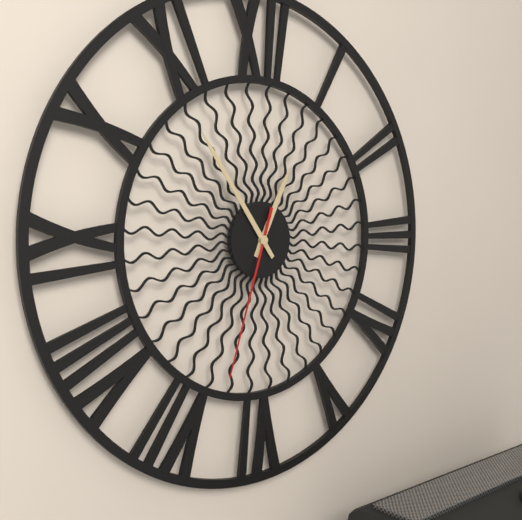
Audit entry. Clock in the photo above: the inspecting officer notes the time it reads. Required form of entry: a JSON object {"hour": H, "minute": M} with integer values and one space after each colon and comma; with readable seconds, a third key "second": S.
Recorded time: {"hour": 12, "minute": 54, "second": 33}
